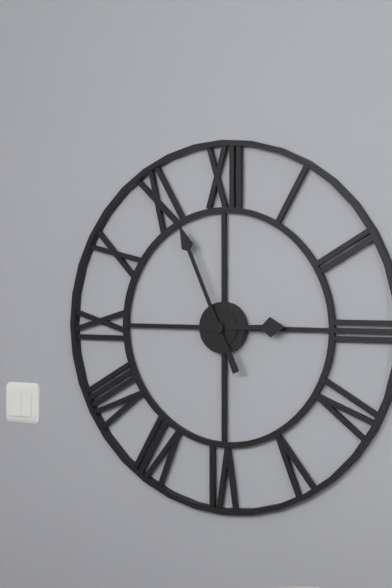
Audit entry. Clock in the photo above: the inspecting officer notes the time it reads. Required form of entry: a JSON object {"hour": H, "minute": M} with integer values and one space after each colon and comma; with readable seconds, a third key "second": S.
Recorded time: {"hour": 2, "minute": 56}
